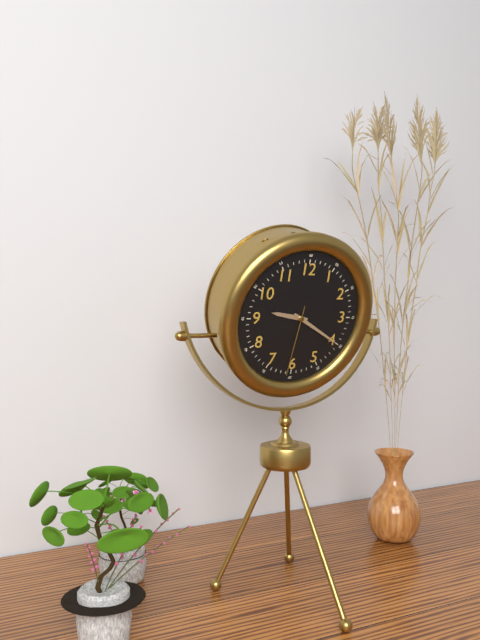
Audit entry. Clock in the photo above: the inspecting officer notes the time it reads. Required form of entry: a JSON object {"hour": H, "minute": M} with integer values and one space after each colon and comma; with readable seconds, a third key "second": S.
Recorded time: {"hour": 9, "minute": 20, "second": 31}
